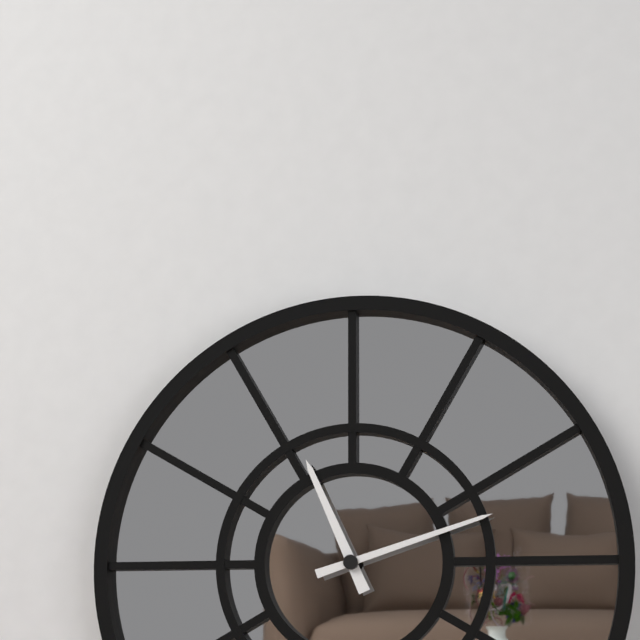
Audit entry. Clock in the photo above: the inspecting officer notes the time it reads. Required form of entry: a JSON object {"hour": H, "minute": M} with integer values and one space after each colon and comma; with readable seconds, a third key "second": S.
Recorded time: {"hour": 11, "minute": 12}
